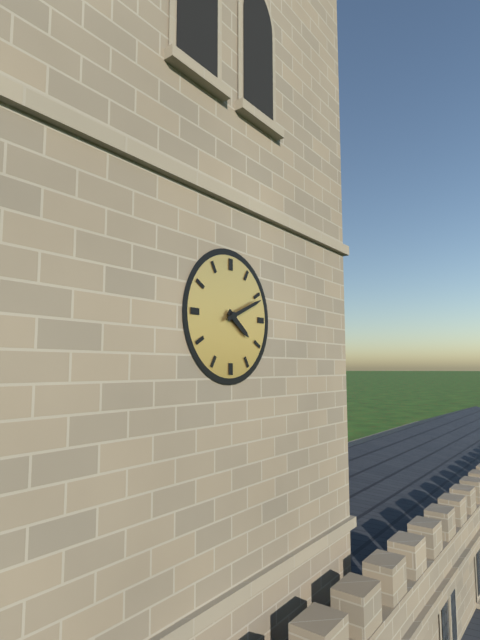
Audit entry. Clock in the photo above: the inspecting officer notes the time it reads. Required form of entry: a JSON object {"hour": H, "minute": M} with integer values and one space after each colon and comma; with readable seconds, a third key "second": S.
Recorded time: {"hour": 4, "minute": 11}
